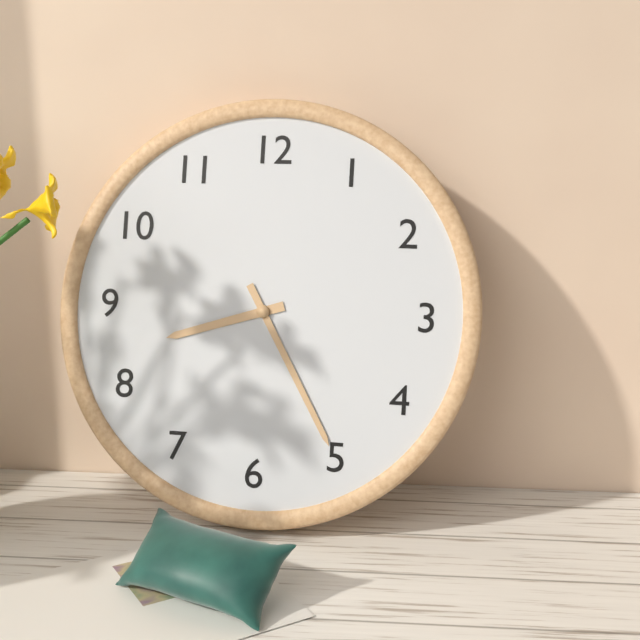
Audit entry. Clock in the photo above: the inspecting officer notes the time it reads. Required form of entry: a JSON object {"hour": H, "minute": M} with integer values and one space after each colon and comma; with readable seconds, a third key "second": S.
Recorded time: {"hour": 8, "minute": 25}
